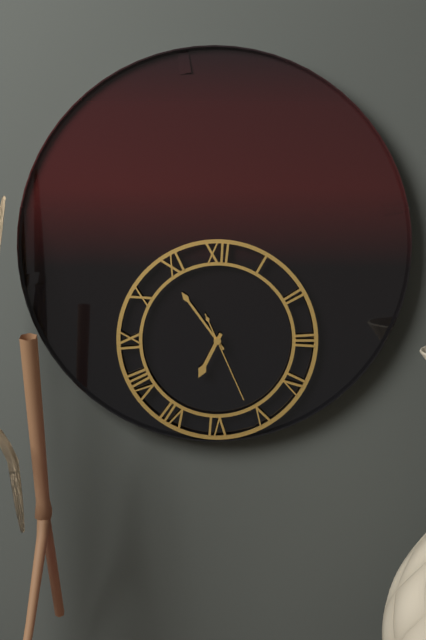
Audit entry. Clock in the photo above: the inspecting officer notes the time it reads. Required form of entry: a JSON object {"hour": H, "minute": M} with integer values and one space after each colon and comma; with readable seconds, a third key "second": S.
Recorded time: {"hour": 6, "minute": 54, "second": 26}
